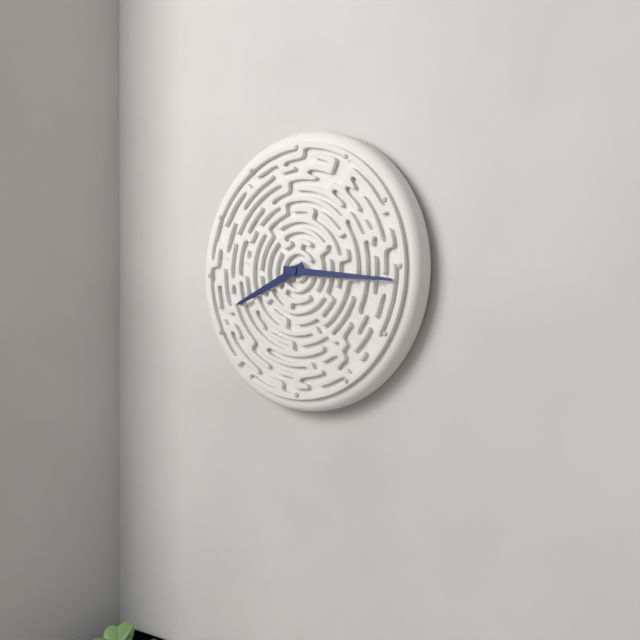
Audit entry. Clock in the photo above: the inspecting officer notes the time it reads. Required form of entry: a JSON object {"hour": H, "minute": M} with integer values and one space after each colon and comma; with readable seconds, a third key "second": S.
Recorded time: {"hour": 8, "minute": 16}
